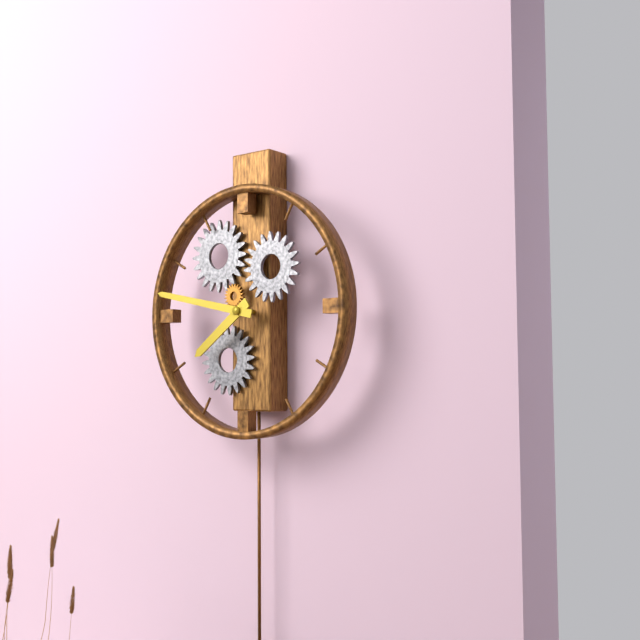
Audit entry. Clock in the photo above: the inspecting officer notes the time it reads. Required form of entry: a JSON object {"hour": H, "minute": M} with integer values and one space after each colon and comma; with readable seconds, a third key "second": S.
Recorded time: {"hour": 7, "minute": 47}
